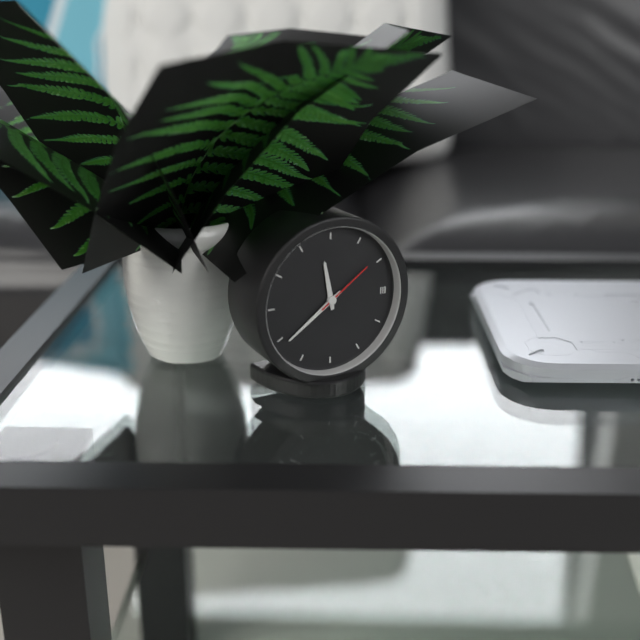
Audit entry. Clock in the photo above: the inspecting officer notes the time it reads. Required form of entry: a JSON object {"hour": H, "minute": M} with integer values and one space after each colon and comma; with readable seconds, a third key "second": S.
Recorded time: {"hour": 11, "minute": 39, "second": 9}
